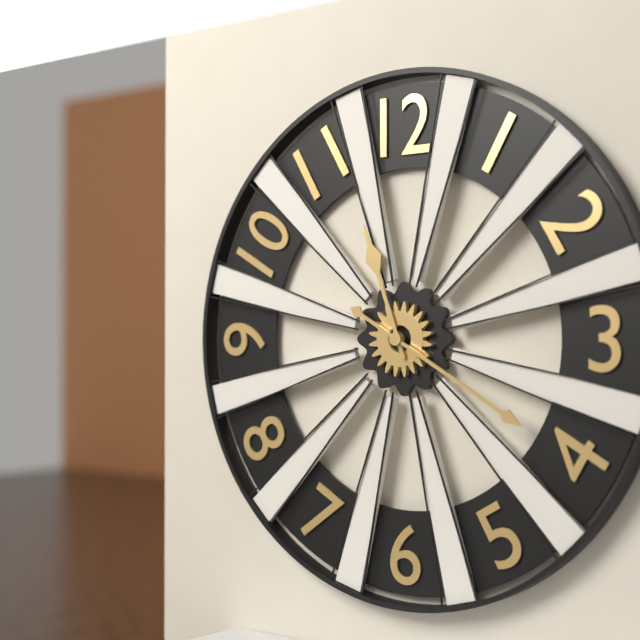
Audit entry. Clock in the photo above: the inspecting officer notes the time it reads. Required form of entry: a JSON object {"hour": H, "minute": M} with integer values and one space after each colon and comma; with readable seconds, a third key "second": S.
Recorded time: {"hour": 11, "minute": 20}
